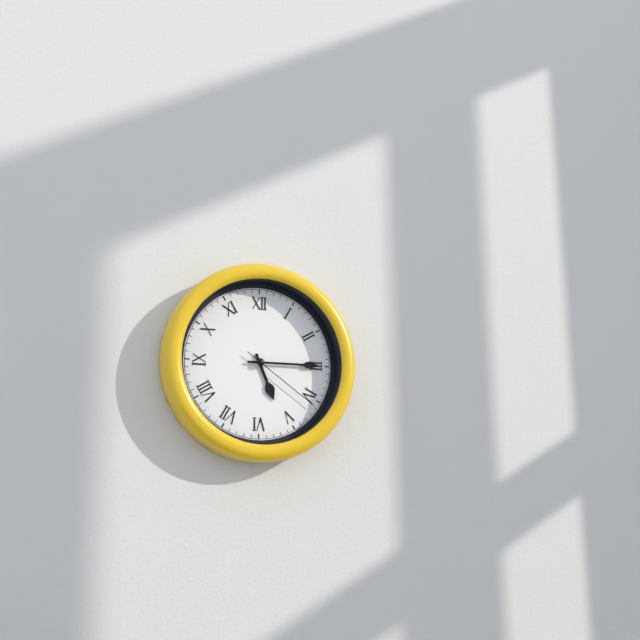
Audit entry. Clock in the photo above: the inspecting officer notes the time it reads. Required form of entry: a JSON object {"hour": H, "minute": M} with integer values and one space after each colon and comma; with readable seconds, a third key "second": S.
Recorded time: {"hour": 5, "minute": 15, "second": 21}
